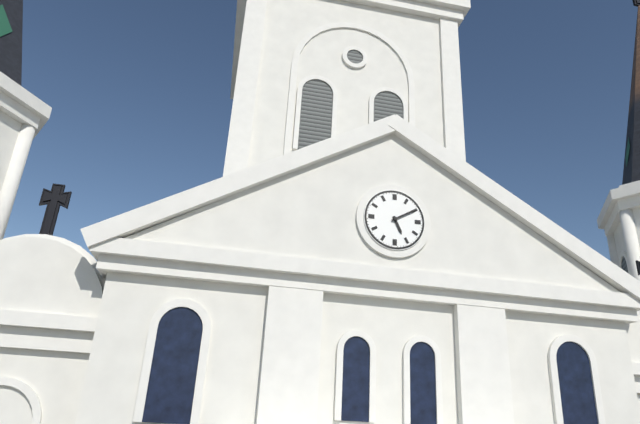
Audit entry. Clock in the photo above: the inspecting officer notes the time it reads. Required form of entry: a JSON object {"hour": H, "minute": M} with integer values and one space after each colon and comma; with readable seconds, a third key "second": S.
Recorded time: {"hour": 5, "minute": 10}
